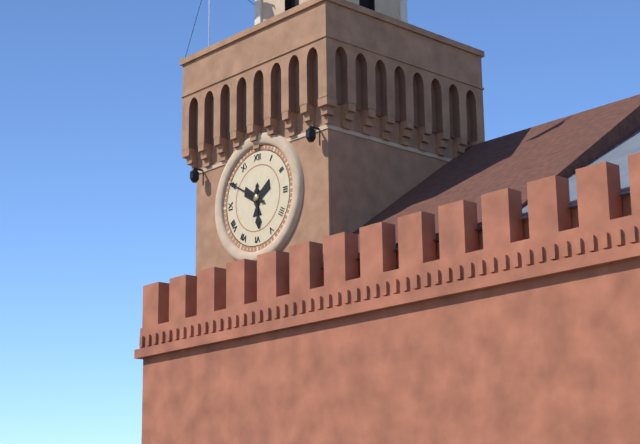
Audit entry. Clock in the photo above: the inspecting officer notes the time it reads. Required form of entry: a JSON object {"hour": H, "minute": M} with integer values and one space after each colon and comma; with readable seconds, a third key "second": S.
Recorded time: {"hour": 5, "minute": 50}
